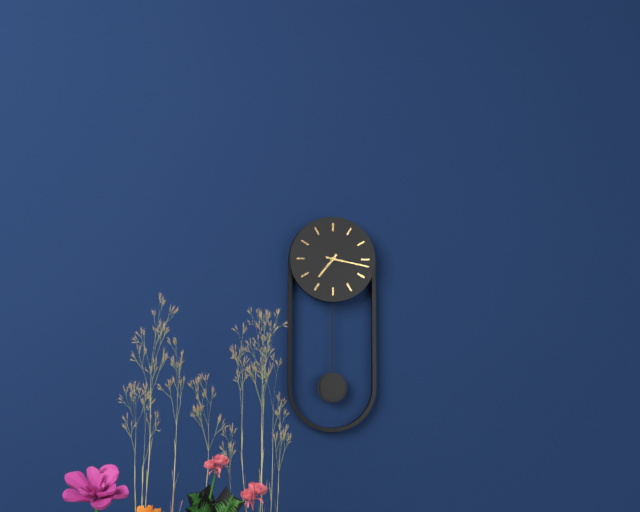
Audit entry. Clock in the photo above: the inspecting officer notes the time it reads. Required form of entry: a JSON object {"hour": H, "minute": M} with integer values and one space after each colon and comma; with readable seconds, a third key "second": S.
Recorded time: {"hour": 7, "minute": 17}
